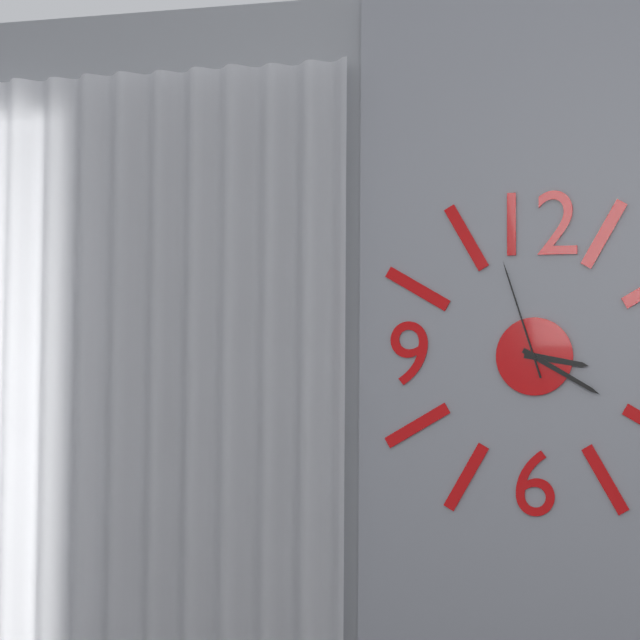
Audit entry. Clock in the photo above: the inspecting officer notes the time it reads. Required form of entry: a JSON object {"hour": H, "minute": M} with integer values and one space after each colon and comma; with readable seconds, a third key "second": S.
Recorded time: {"hour": 3, "minute": 20, "second": 57}
